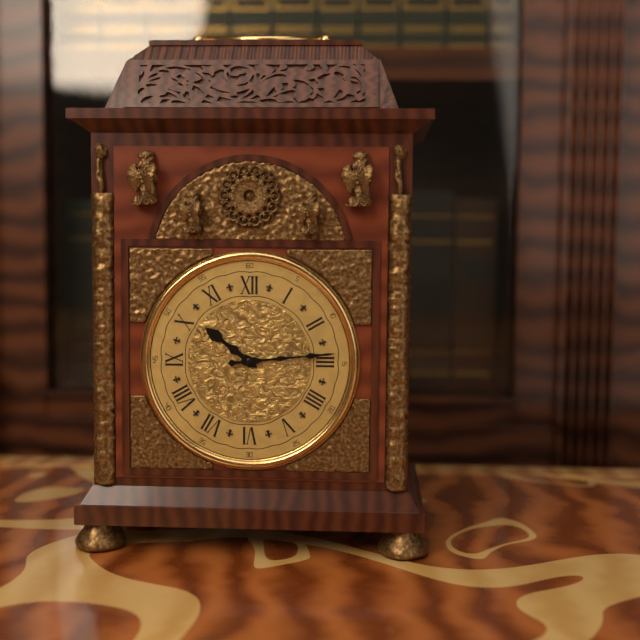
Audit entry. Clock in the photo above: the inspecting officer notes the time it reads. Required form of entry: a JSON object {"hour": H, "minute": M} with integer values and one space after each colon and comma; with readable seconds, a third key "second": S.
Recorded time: {"hour": 10, "minute": 14}
